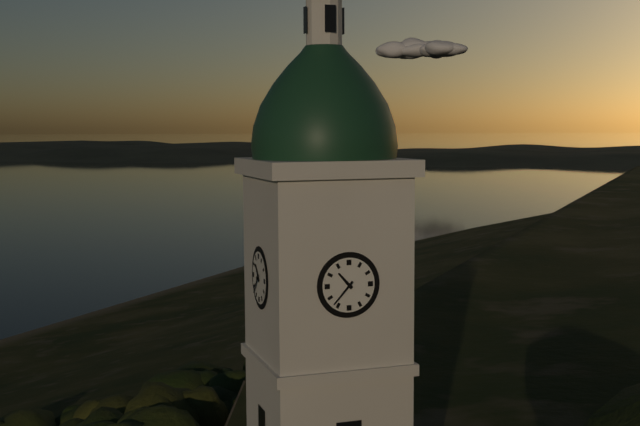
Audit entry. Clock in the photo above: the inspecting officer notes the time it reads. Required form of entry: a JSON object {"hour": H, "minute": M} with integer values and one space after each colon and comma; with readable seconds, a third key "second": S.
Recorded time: {"hour": 10, "minute": 37}
